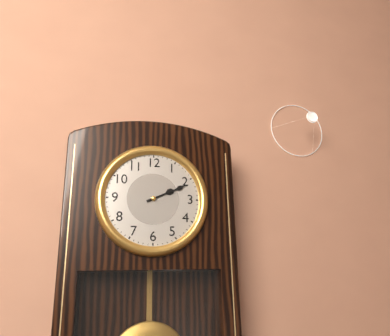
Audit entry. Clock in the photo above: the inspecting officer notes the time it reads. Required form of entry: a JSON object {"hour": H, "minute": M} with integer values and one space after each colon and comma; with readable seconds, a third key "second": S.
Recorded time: {"hour": 2, "minute": 11}
